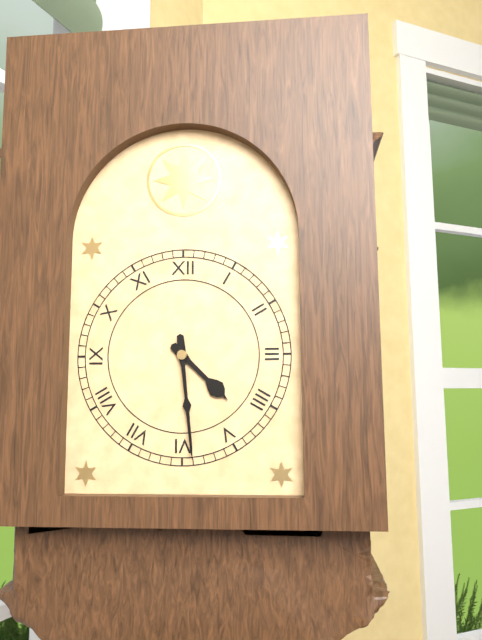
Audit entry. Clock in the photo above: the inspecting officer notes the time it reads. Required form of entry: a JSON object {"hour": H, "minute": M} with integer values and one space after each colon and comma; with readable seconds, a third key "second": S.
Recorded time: {"hour": 4, "minute": 29}
